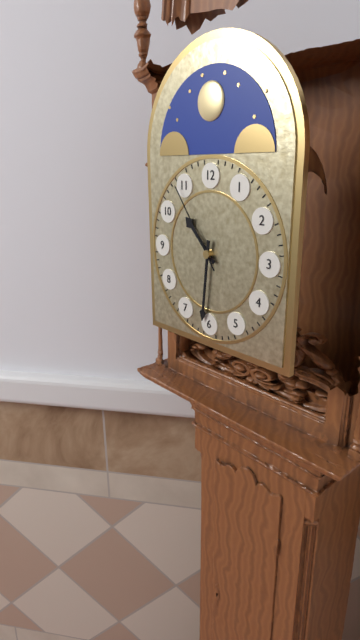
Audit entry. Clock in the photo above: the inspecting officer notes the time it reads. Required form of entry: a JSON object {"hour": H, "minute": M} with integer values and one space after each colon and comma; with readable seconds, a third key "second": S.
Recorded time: {"hour": 10, "minute": 31, "second": 54}
